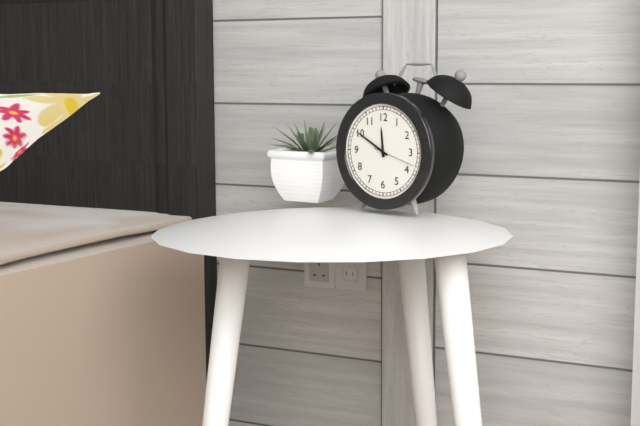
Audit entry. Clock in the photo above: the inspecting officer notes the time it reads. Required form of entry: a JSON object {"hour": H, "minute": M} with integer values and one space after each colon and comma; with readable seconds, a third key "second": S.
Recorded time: {"hour": 11, "minute": 50}
